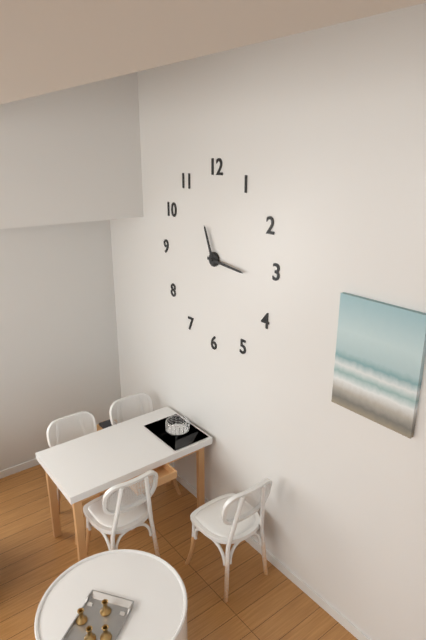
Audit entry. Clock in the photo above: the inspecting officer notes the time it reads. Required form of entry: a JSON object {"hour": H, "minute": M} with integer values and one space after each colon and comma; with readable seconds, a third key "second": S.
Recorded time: {"hour": 11, "minute": 16}
